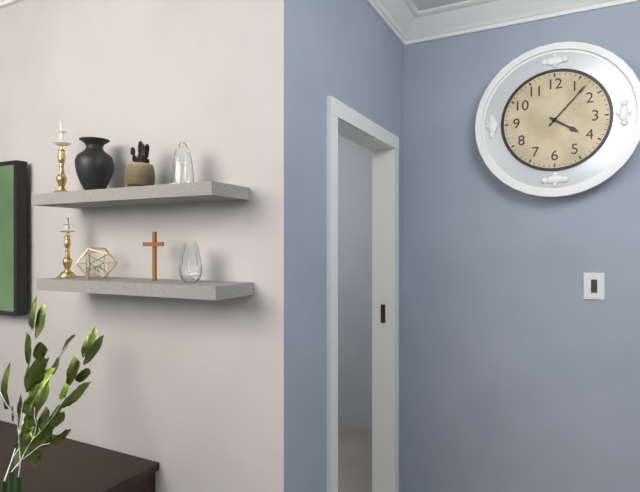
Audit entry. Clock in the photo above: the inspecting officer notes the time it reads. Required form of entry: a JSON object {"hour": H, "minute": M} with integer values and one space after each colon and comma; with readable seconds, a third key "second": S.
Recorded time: {"hour": 4, "minute": 7}
